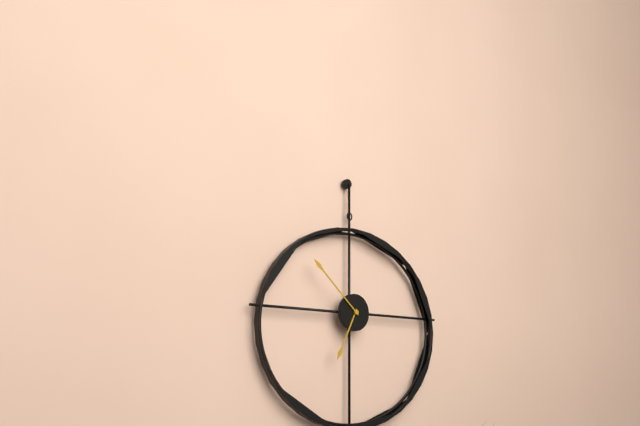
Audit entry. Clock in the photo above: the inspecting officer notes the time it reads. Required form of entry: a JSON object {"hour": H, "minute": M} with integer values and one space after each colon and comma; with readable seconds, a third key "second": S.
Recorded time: {"hour": 6, "minute": 52}
